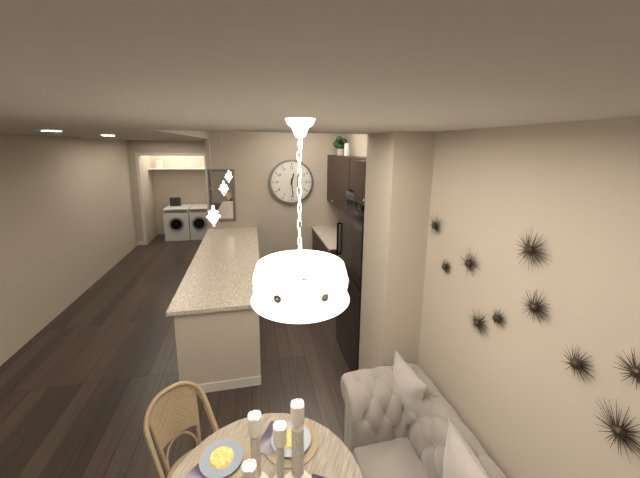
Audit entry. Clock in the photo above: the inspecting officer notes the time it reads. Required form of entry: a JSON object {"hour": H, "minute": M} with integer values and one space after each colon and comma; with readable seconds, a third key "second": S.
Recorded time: {"hour": 12, "minute": 29}
